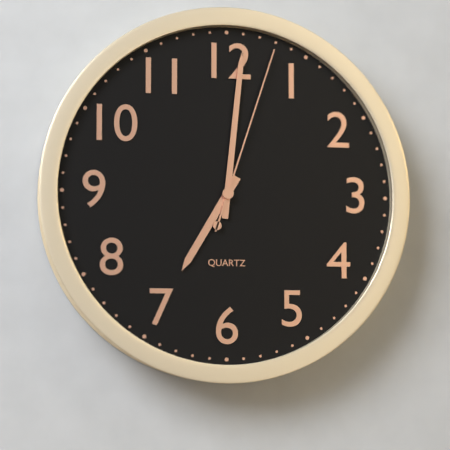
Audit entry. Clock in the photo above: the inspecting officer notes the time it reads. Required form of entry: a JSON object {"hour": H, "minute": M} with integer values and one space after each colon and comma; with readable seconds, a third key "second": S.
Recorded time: {"hour": 7, "minute": 1, "second": 3}
